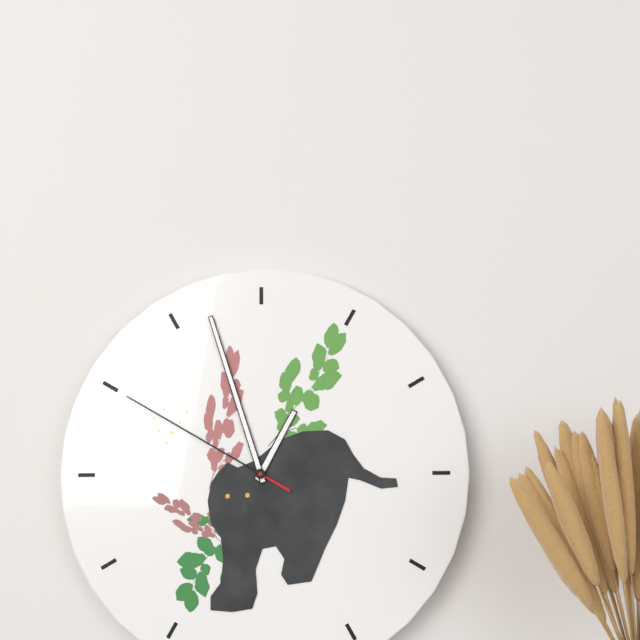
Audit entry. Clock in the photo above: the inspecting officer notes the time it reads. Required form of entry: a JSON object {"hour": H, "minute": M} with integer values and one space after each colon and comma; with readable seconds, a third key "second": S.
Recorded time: {"hour": 12, "minute": 57, "second": 50}
